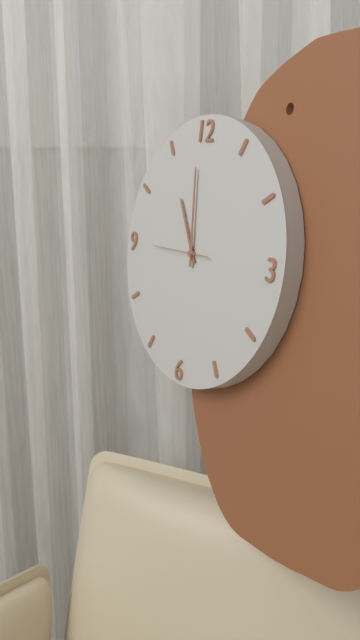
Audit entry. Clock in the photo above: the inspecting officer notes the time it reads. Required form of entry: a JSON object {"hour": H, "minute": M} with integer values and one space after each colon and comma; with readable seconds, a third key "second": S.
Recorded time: {"hour": 10, "minute": 59, "second": 45}
